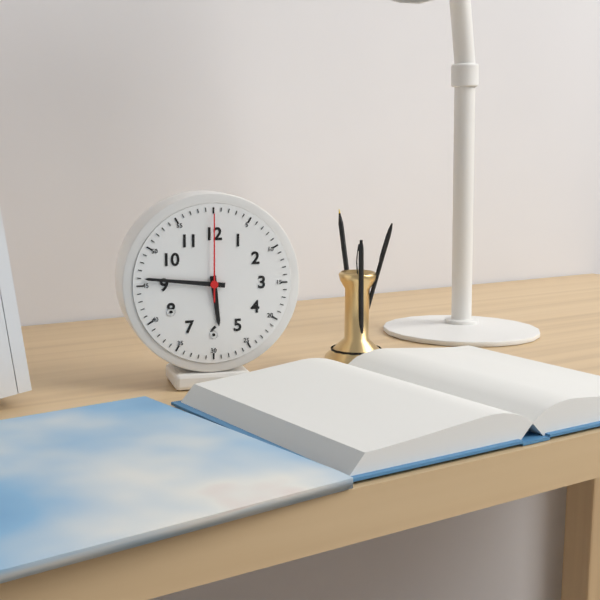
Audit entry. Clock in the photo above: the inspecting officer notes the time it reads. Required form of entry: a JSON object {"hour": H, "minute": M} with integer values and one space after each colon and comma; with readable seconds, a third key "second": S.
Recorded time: {"hour": 5, "minute": 46, "second": 0}
